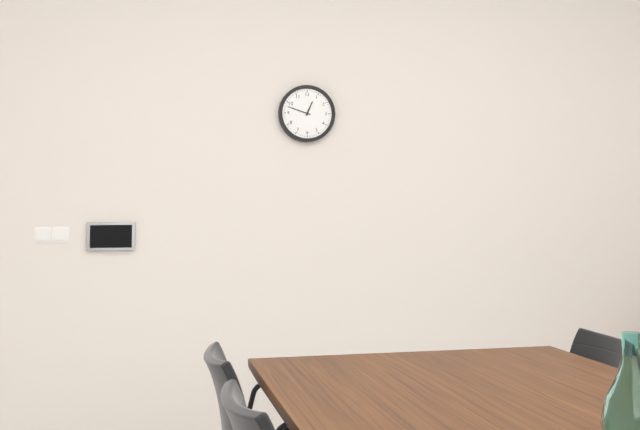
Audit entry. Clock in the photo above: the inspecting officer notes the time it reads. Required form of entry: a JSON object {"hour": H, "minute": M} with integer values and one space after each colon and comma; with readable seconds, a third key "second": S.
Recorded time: {"hour": 12, "minute": 48}
